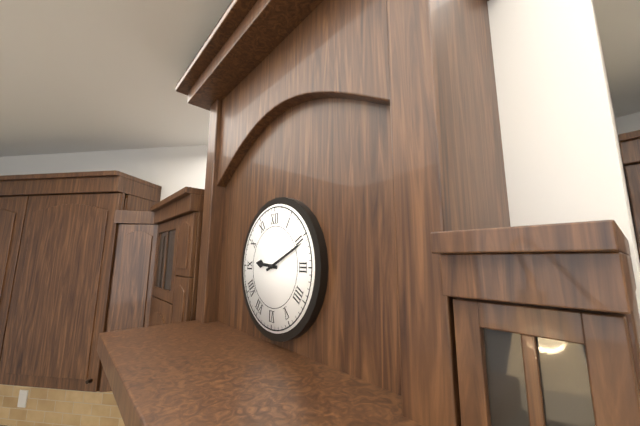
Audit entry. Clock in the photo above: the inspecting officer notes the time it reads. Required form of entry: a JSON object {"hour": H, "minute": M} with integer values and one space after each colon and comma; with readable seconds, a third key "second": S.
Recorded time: {"hour": 9, "minute": 11}
